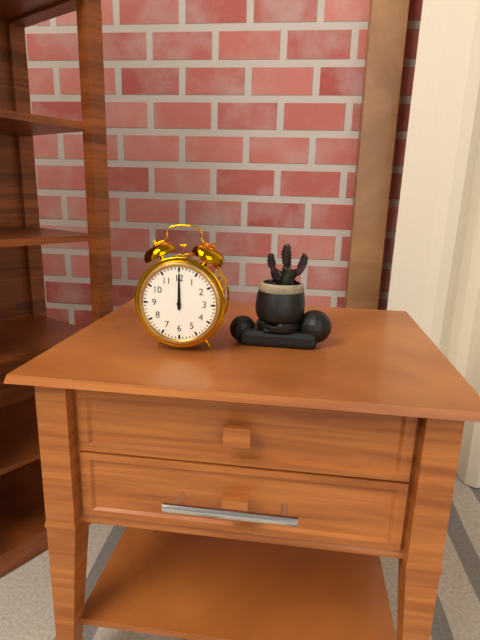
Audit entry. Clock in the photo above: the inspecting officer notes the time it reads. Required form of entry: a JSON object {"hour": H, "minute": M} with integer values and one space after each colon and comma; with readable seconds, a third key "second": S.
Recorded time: {"hour": 12, "minute": 0}
